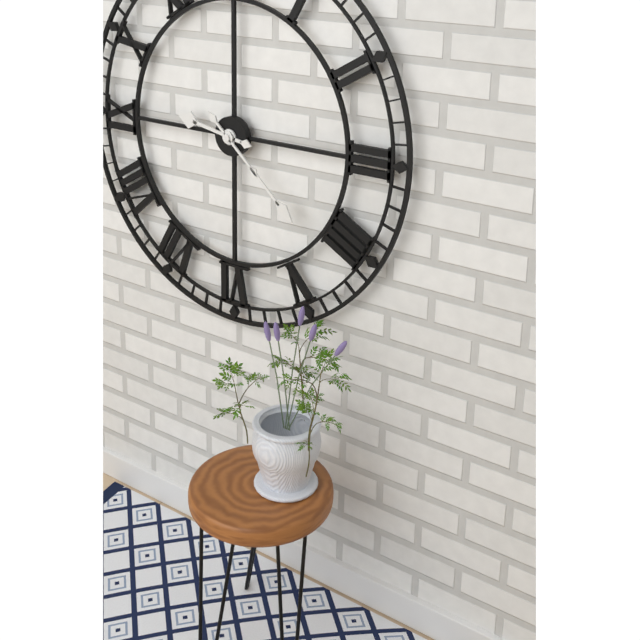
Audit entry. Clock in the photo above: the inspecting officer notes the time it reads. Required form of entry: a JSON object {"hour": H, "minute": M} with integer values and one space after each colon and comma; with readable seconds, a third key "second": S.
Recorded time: {"hour": 9, "minute": 22}
